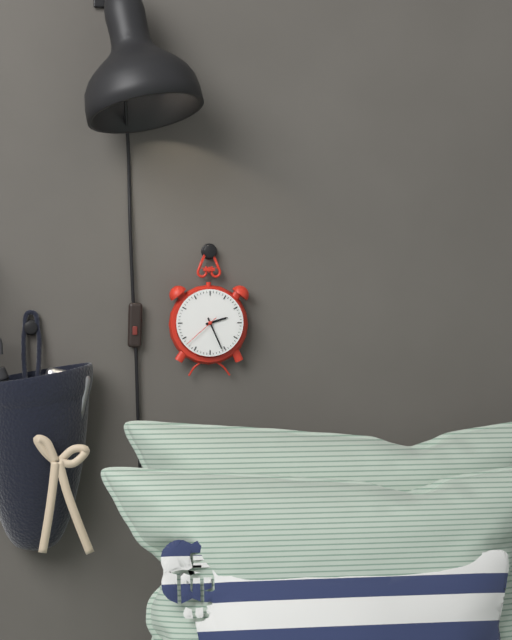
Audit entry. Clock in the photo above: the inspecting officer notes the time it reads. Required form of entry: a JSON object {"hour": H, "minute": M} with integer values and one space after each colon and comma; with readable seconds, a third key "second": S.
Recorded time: {"hour": 2, "minute": 26}
